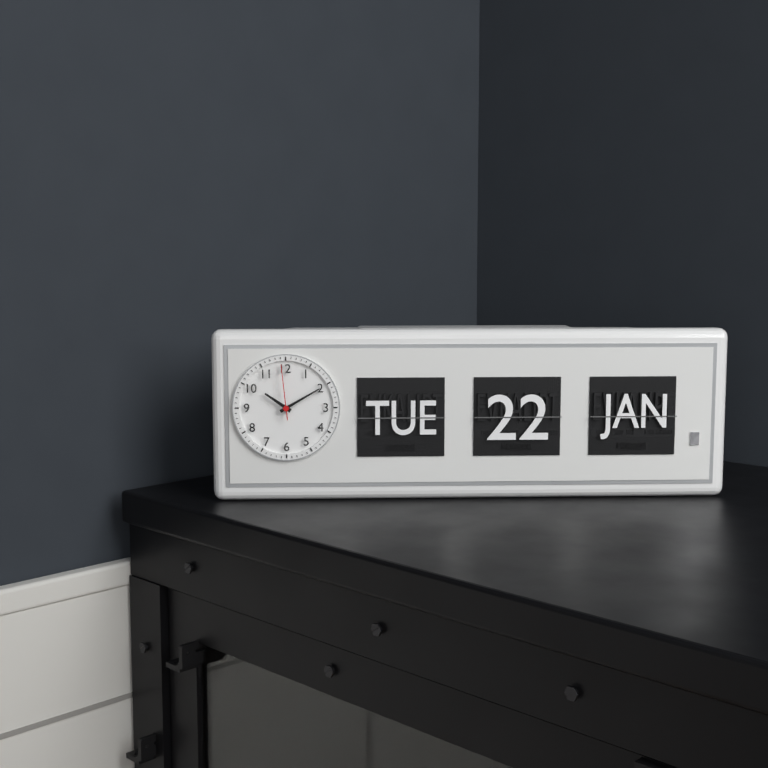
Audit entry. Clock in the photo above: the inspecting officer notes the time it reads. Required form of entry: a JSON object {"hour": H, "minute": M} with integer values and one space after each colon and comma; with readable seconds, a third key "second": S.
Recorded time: {"hour": 10, "minute": 10, "second": 59}
